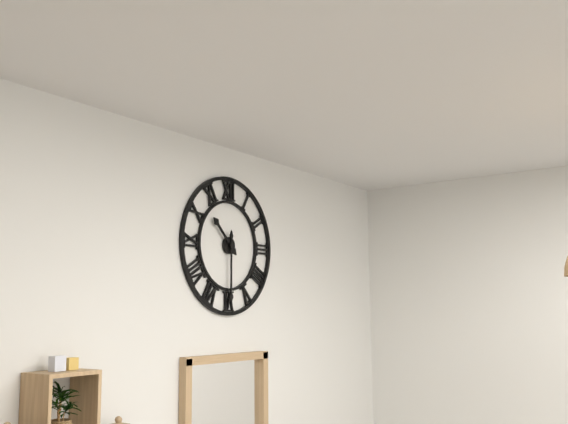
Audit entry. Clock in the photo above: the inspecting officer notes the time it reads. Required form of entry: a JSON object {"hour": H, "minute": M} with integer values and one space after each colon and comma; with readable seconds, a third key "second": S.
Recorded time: {"hour": 10, "minute": 30}
